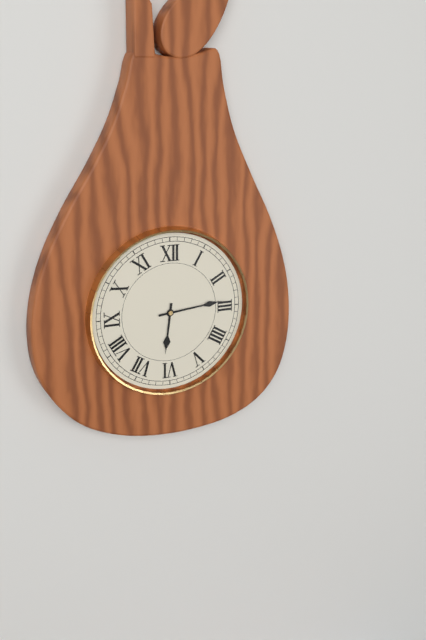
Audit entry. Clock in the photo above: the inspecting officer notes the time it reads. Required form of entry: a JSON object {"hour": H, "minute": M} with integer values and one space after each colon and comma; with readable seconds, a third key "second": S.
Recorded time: {"hour": 6, "minute": 14}
